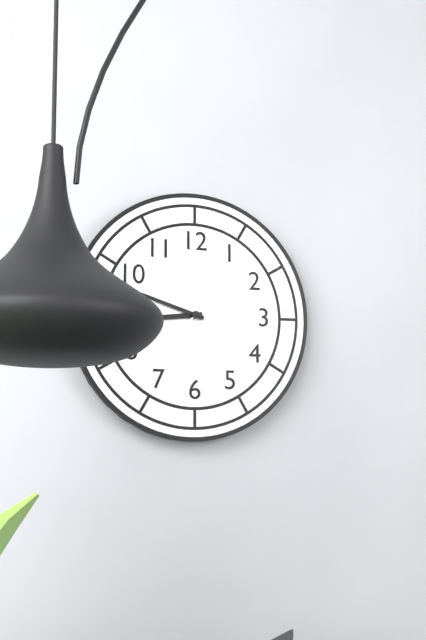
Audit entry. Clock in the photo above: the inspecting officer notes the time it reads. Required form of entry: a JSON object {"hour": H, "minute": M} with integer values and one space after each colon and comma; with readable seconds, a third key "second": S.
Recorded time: {"hour": 8, "minute": 48, "second": 8}
